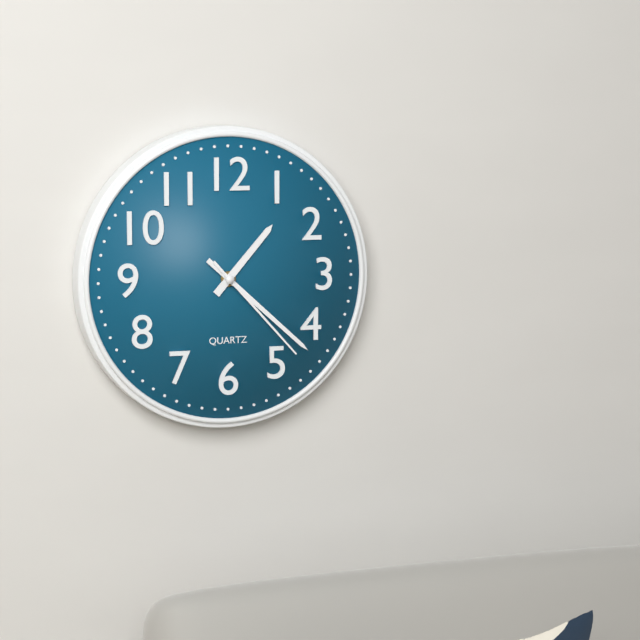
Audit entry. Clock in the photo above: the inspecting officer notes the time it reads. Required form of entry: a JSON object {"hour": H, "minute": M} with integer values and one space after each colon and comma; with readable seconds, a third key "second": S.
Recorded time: {"hour": 1, "minute": 22, "second": 23}
